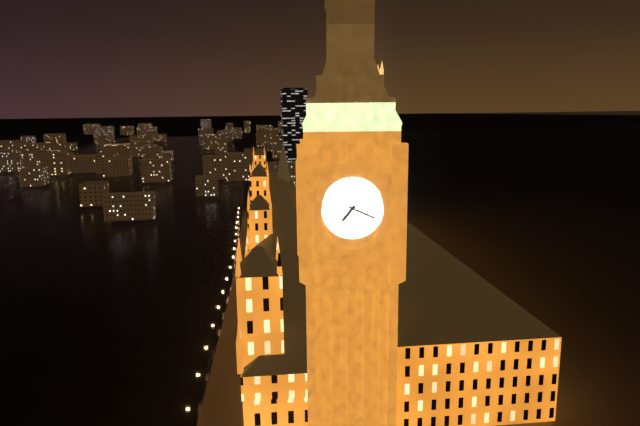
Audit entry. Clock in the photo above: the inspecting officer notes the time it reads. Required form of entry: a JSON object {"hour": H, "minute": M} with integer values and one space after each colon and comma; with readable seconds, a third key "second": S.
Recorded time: {"hour": 7, "minute": 19}
